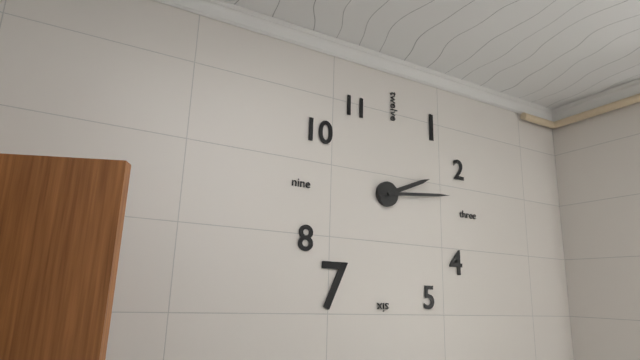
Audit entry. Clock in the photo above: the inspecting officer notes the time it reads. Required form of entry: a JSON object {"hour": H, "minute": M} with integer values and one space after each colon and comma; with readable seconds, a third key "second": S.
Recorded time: {"hour": 2, "minute": 14}
